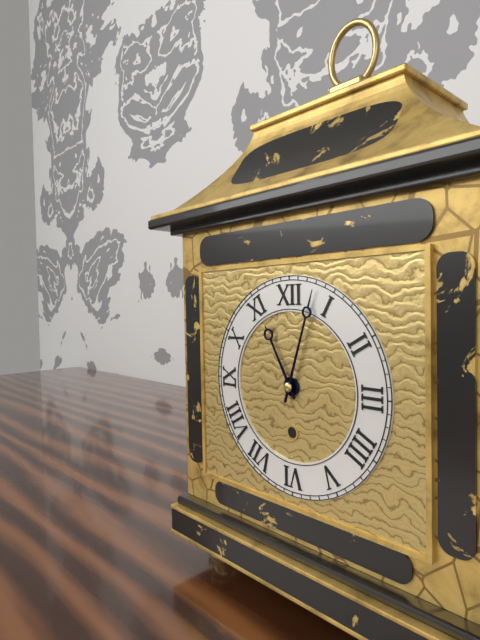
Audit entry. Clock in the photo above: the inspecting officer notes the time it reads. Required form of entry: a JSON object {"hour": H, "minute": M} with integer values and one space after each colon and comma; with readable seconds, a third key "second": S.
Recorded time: {"hour": 11, "minute": 3}
